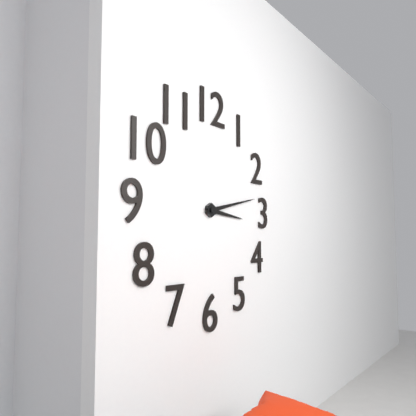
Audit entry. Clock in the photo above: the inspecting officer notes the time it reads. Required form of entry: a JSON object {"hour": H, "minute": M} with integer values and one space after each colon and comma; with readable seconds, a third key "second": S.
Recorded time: {"hour": 3, "minute": 13}
